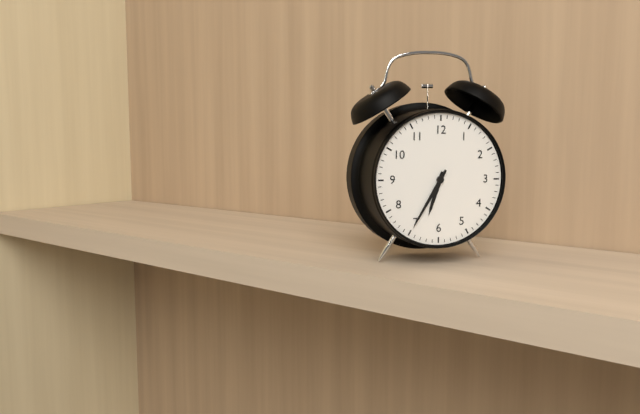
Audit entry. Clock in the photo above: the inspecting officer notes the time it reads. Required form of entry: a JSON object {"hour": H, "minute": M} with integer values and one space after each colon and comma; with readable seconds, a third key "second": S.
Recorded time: {"hour": 6, "minute": 35}
